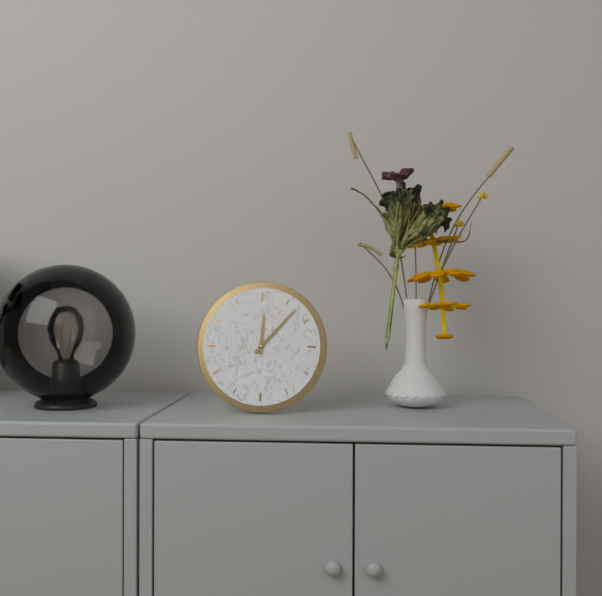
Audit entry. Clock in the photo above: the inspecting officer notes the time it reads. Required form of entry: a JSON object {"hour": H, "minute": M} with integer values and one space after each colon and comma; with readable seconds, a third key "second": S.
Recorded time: {"hour": 12, "minute": 7}
